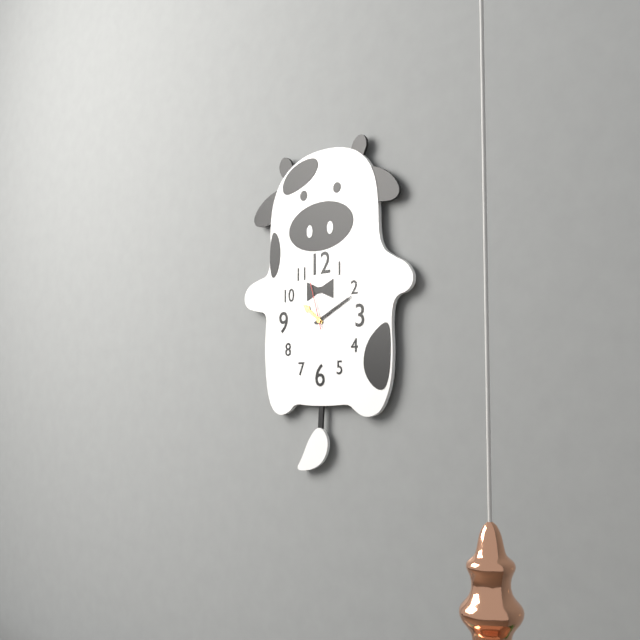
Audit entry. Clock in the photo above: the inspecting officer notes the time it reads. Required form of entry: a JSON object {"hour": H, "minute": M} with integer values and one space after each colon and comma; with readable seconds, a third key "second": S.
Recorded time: {"hour": 10, "minute": 11, "second": 57}
